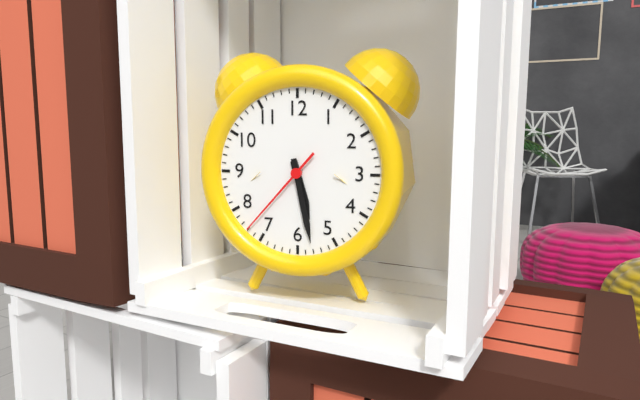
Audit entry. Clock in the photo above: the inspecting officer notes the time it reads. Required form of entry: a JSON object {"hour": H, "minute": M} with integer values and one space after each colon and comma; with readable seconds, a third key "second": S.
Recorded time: {"hour": 5, "minute": 28, "second": 37}
